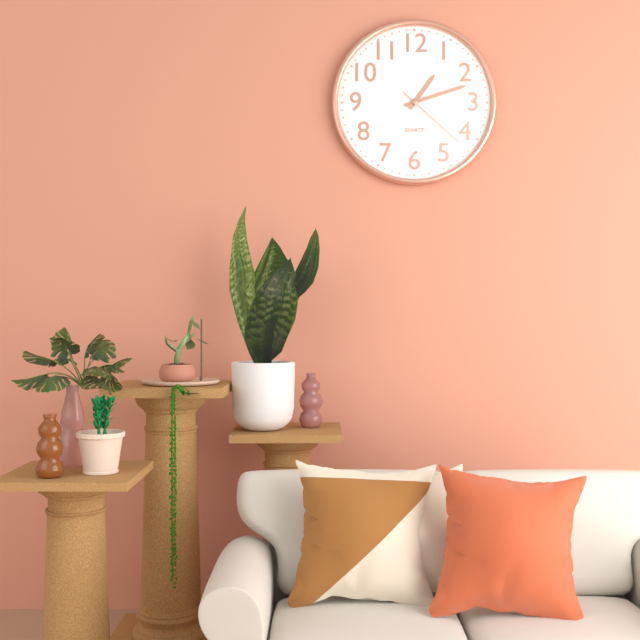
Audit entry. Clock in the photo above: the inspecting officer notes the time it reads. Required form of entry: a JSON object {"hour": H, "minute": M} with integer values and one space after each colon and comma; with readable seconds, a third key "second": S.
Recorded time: {"hour": 1, "minute": 12, "second": 22}
